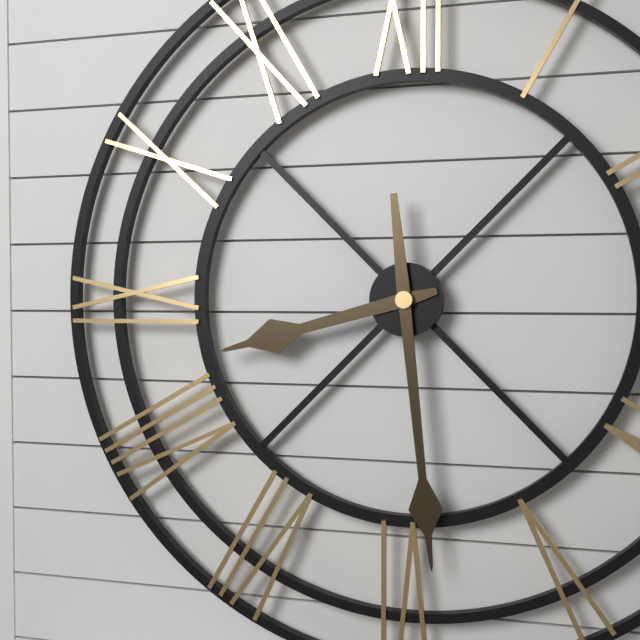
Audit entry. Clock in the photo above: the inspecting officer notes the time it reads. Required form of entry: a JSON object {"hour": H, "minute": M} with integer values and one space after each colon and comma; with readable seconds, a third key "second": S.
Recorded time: {"hour": 8, "minute": 29}
